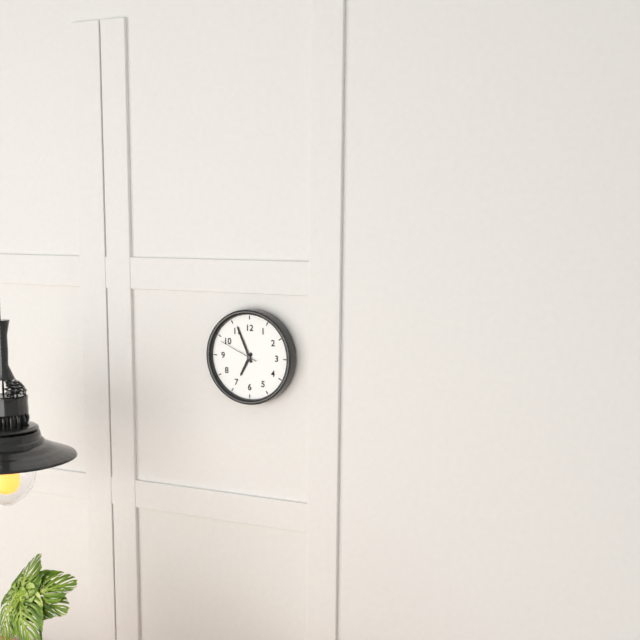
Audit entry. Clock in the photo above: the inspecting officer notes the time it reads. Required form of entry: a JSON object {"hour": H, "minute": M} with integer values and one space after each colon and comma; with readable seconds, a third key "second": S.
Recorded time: {"hour": 6, "minute": 56}
